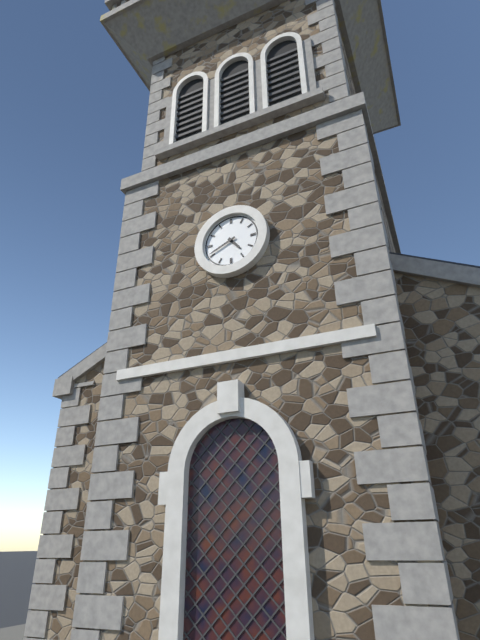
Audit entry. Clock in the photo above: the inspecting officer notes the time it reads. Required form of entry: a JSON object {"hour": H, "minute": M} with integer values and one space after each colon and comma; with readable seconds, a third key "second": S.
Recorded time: {"hour": 4, "minute": 41}
